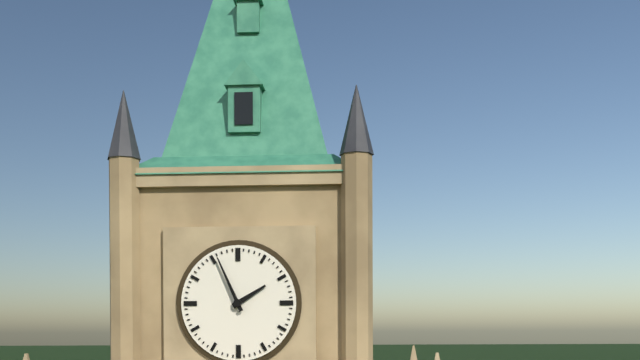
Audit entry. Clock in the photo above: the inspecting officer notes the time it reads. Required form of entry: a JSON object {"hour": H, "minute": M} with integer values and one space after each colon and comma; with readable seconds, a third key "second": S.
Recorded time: {"hour": 1, "minute": 56}
